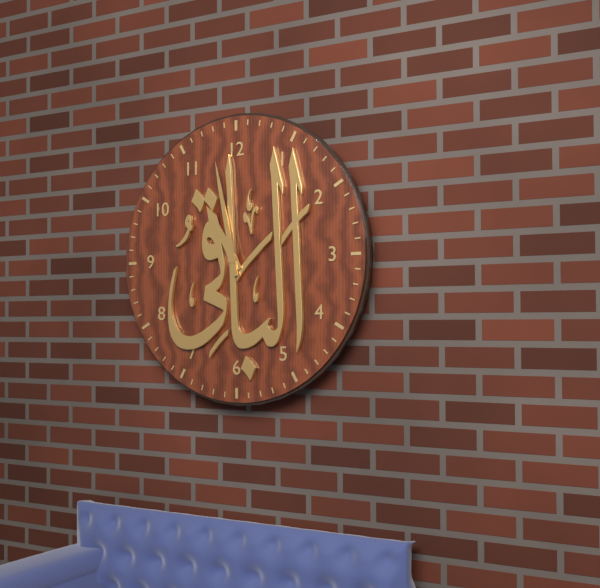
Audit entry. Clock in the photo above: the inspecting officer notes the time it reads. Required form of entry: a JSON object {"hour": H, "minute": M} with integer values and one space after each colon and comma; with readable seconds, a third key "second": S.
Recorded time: {"hour": 10, "minute": 58}
